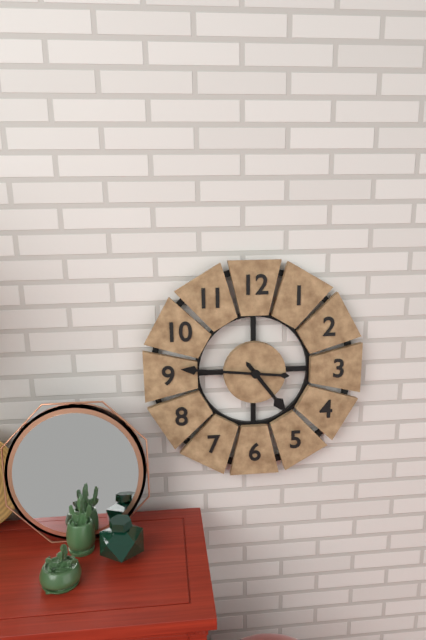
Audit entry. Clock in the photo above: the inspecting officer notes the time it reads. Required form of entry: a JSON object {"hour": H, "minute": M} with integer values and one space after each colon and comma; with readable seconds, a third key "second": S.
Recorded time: {"hour": 4, "minute": 46}
